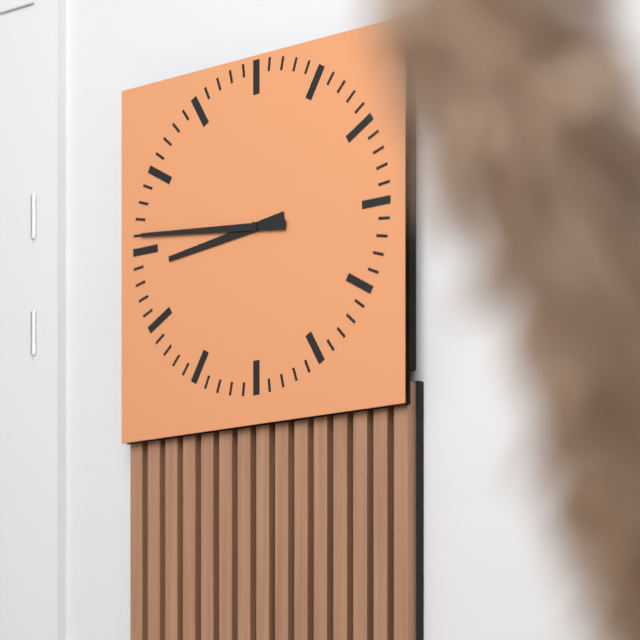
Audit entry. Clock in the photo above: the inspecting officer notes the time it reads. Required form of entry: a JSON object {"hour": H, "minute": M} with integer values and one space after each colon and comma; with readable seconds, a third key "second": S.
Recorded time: {"hour": 8, "minute": 46}
